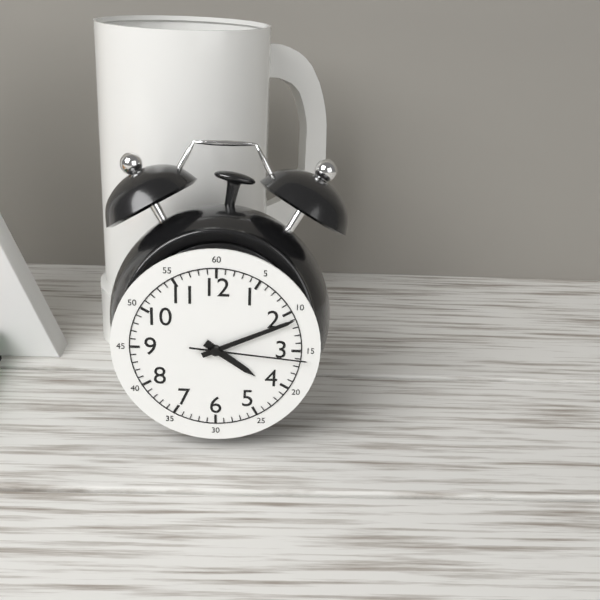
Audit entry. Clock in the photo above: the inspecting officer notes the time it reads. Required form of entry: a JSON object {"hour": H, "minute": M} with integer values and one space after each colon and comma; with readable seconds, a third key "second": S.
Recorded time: {"hour": 4, "minute": 11, "second": 16}
